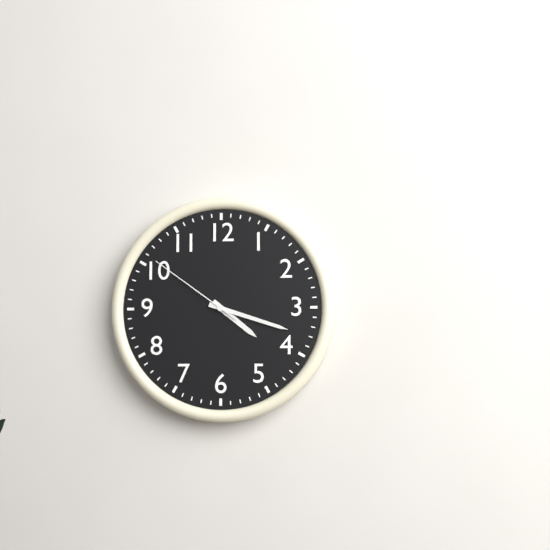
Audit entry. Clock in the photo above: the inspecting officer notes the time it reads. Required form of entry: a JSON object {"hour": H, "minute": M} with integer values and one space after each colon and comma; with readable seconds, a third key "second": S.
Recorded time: {"hour": 4, "minute": 18, "second": 51}
